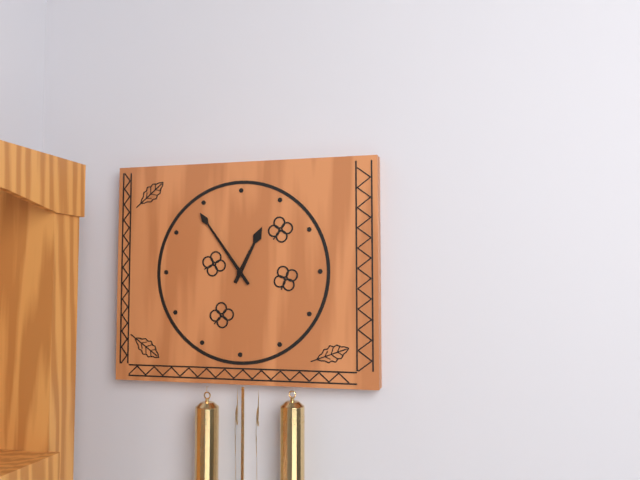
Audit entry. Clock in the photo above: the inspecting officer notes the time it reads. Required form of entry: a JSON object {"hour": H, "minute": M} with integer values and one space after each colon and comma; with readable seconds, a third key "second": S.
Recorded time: {"hour": 12, "minute": 54}
